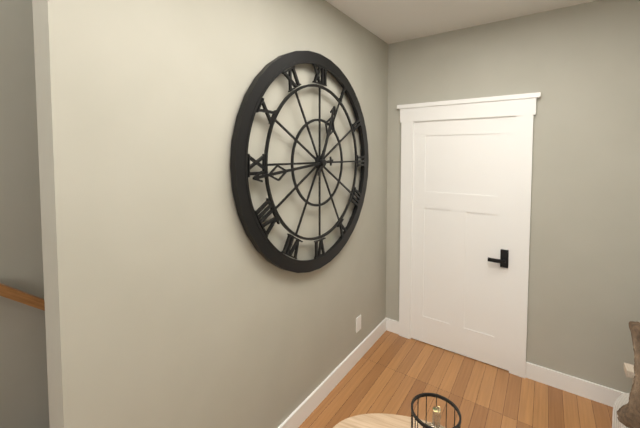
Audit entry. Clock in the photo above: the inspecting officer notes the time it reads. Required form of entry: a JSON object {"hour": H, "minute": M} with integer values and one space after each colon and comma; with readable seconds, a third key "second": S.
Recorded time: {"hour": 12, "minute": 44}
